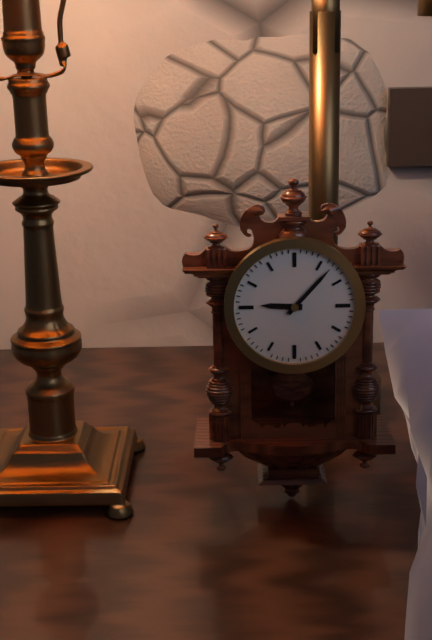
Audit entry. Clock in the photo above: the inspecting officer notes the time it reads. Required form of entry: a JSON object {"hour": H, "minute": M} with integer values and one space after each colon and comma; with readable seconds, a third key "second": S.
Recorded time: {"hour": 9, "minute": 7}
